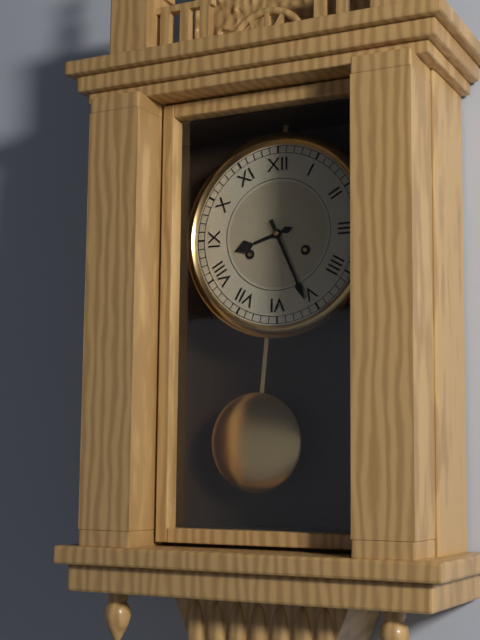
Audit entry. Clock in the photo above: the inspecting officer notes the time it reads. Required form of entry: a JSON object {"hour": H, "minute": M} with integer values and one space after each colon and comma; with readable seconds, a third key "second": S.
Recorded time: {"hour": 8, "minute": 26}
